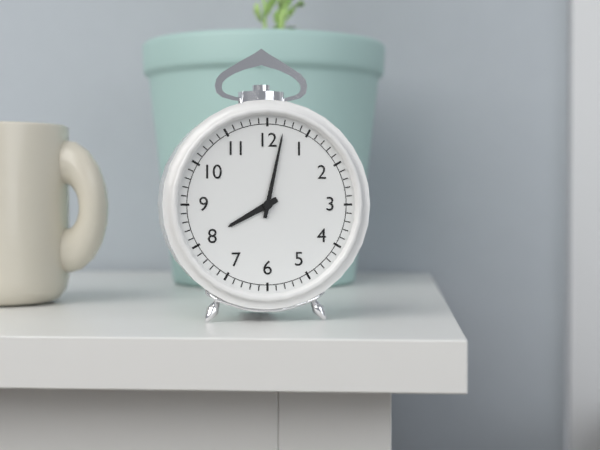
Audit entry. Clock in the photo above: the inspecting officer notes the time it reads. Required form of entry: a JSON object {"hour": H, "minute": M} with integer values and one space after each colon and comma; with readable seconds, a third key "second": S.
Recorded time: {"hour": 8, "minute": 2}
